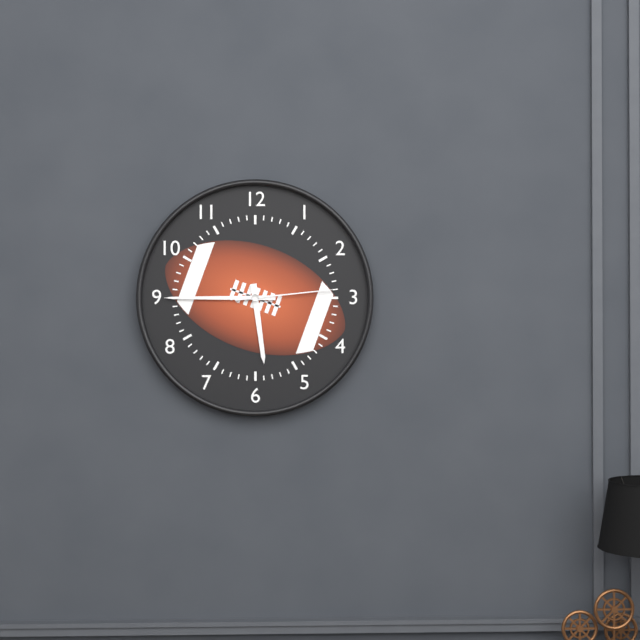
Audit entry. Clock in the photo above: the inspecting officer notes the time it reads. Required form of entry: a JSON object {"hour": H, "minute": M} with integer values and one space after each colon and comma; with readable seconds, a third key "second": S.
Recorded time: {"hour": 5, "minute": 45, "second": 14}
